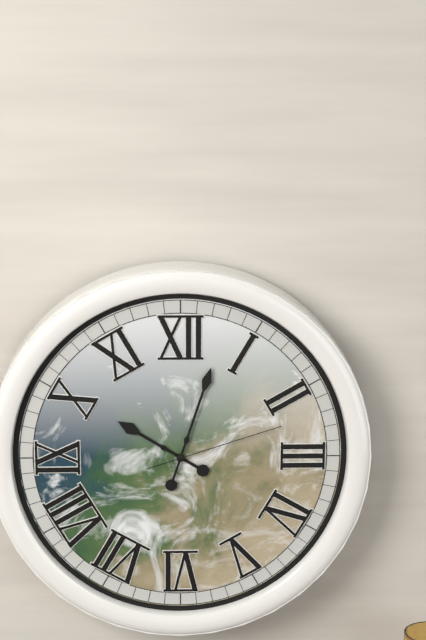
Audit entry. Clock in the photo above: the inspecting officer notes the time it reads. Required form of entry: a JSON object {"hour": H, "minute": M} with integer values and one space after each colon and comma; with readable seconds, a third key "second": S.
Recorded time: {"hour": 10, "minute": 3, "second": 12}
